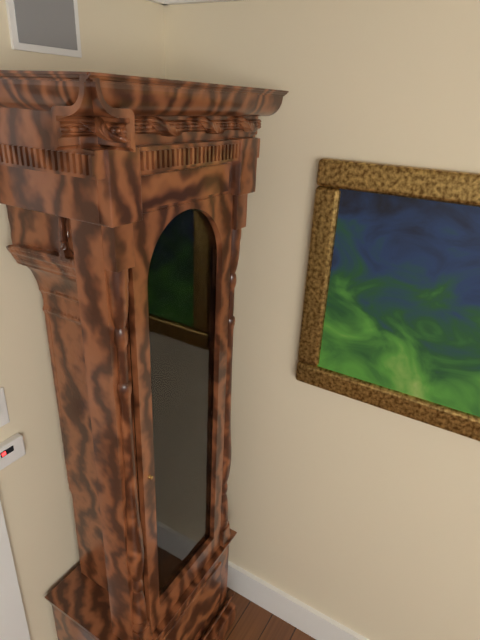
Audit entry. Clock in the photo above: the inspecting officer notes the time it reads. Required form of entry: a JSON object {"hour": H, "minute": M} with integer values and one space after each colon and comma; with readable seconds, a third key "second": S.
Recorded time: {"hour": 7, "minute": 59}
